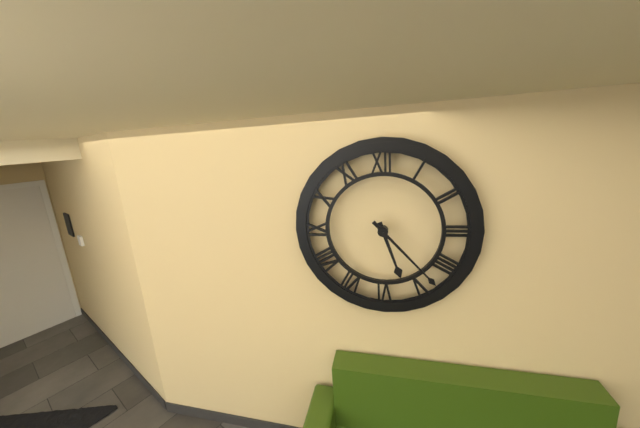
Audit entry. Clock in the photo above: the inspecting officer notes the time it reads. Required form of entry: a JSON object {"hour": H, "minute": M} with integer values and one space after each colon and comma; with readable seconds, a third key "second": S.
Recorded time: {"hour": 5, "minute": 23}
